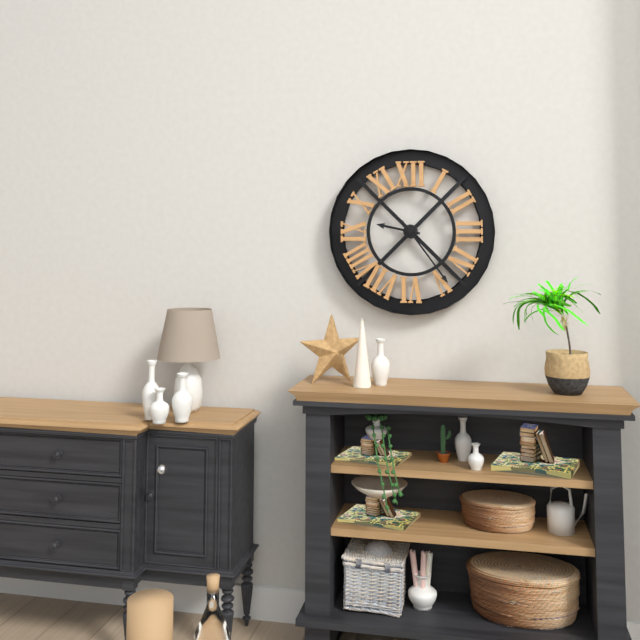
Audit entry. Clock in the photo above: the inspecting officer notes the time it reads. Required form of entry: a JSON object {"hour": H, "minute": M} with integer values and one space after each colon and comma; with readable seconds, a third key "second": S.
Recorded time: {"hour": 9, "minute": 24}
